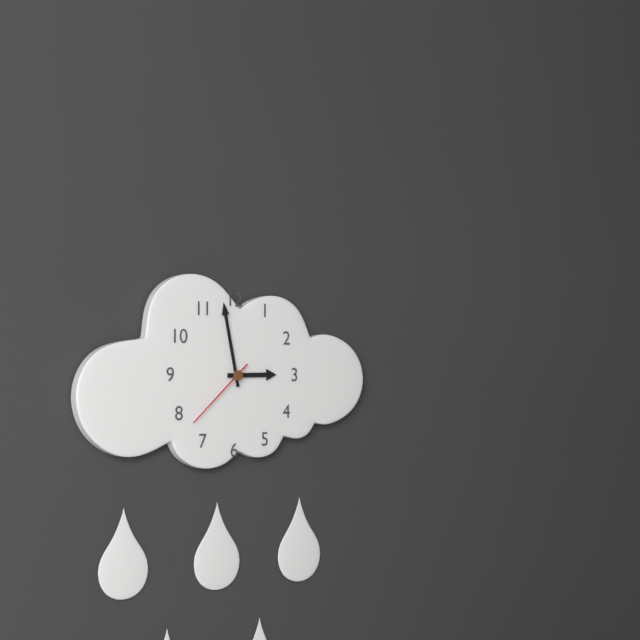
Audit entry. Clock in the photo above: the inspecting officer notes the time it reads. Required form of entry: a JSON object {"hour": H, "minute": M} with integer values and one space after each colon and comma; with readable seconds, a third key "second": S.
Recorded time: {"hour": 2, "minute": 58, "second": 38}
